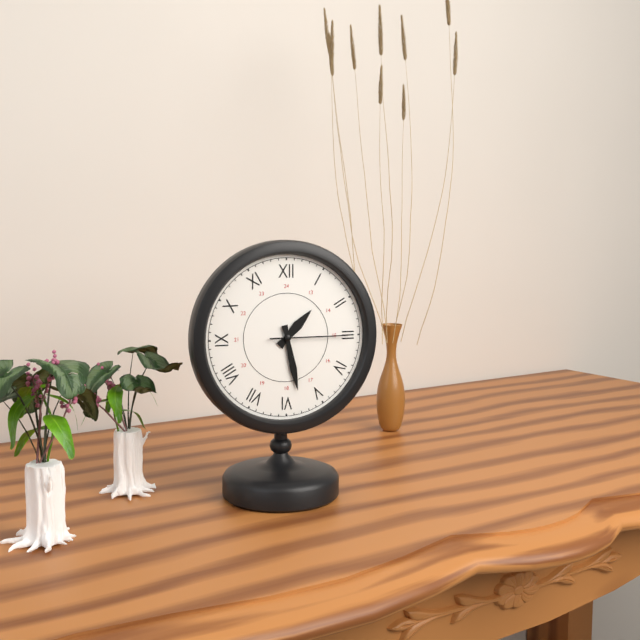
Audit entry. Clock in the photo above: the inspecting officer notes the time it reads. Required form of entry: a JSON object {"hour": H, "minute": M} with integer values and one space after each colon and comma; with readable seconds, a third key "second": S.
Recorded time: {"hour": 1, "minute": 28, "second": 15}
